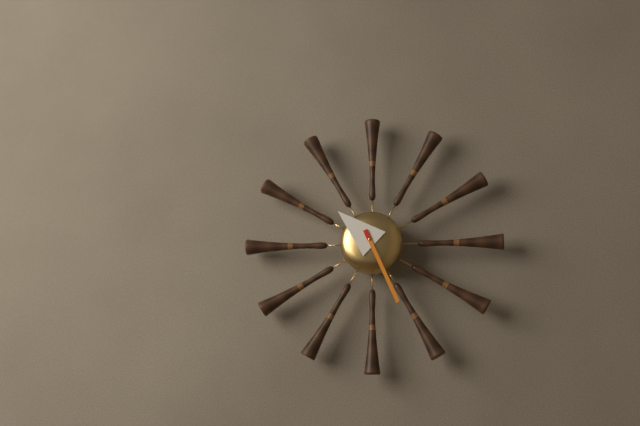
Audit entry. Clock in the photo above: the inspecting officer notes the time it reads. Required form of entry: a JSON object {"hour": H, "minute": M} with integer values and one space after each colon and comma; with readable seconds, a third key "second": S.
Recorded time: {"hour": 10, "minute": 26}
